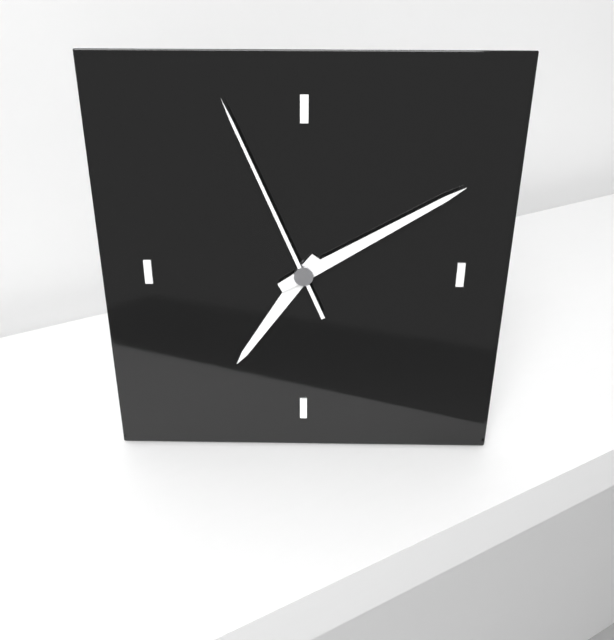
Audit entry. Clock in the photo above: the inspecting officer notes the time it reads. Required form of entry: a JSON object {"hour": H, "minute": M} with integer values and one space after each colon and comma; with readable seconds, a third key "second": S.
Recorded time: {"hour": 7, "minute": 10, "second": 56}
